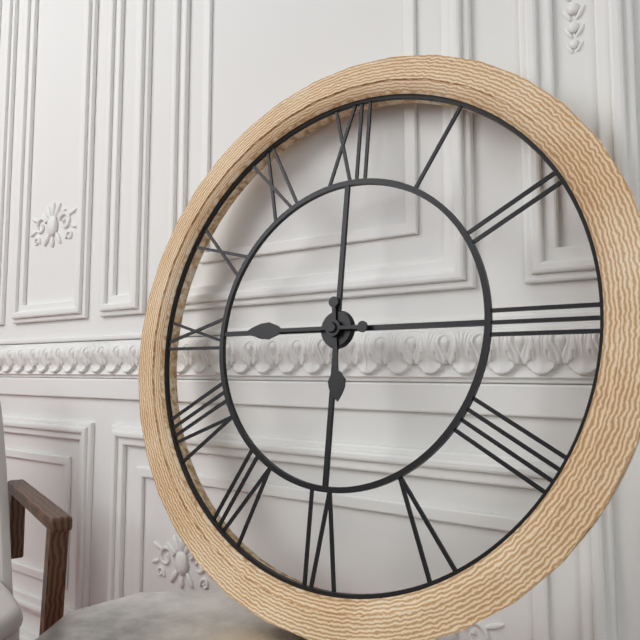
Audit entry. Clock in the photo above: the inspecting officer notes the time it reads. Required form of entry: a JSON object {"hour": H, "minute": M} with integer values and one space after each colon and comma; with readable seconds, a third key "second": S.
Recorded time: {"hour": 5, "minute": 45}
